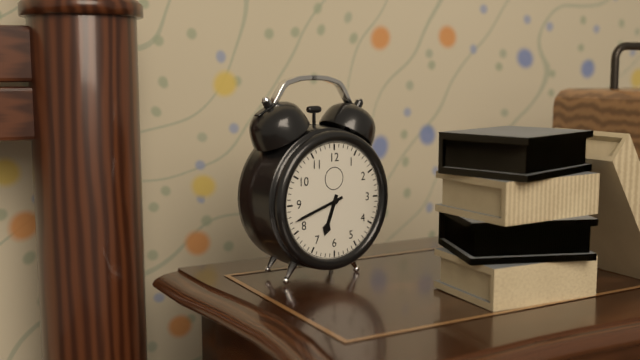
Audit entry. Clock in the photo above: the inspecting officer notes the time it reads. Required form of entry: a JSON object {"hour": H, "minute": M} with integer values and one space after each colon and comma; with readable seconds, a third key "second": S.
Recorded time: {"hour": 6, "minute": 42}
